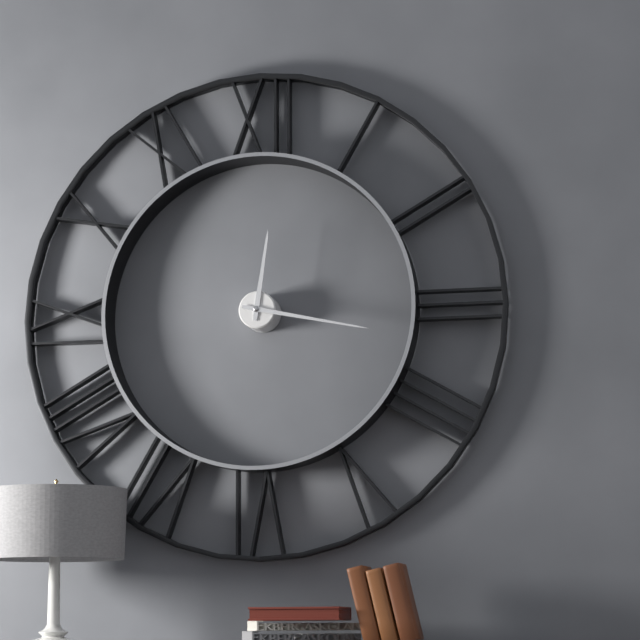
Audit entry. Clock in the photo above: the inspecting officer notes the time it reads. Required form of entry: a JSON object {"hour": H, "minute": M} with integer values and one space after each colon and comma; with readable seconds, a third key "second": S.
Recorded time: {"hour": 12, "minute": 17}
